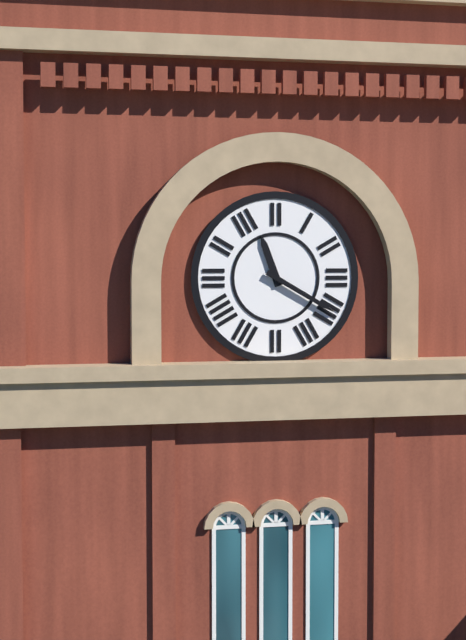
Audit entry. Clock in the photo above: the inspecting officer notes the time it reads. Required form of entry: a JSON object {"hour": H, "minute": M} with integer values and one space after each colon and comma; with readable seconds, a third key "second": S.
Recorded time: {"hour": 11, "minute": 20}
